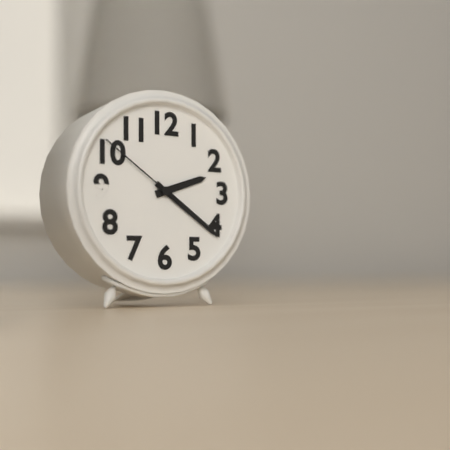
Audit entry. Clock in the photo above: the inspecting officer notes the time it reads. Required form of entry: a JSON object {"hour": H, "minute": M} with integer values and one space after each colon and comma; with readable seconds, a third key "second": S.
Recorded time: {"hour": 2, "minute": 21, "second": 51}
